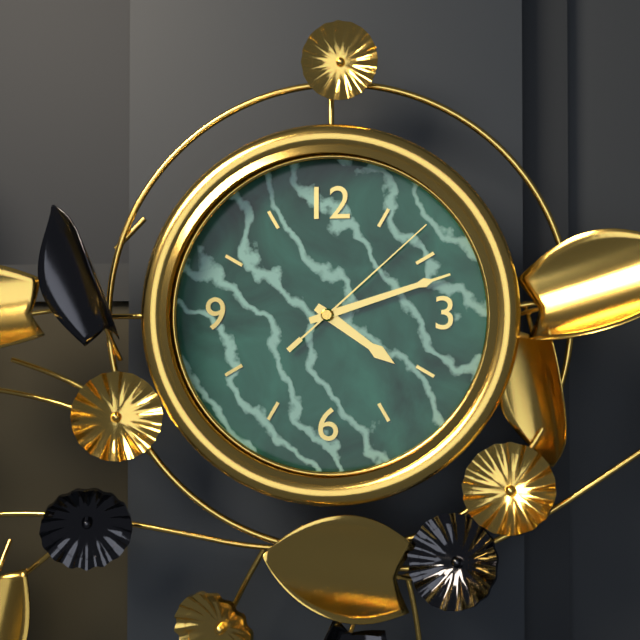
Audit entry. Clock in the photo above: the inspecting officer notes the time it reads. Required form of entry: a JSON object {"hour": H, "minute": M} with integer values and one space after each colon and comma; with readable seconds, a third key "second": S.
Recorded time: {"hour": 4, "minute": 12, "second": 8}
